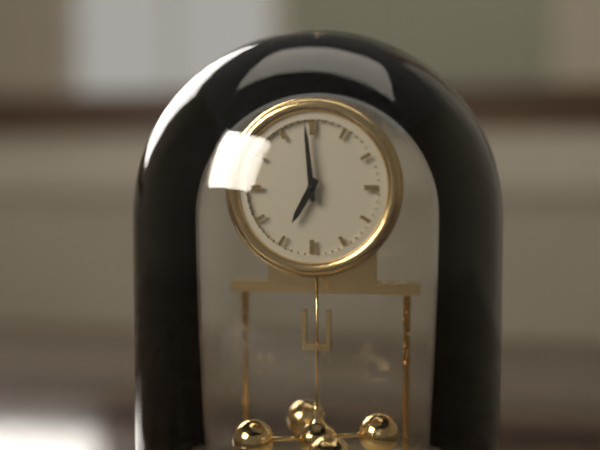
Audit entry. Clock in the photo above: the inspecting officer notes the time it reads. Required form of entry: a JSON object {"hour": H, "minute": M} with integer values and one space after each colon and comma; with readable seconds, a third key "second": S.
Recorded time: {"hour": 6, "minute": 59}
